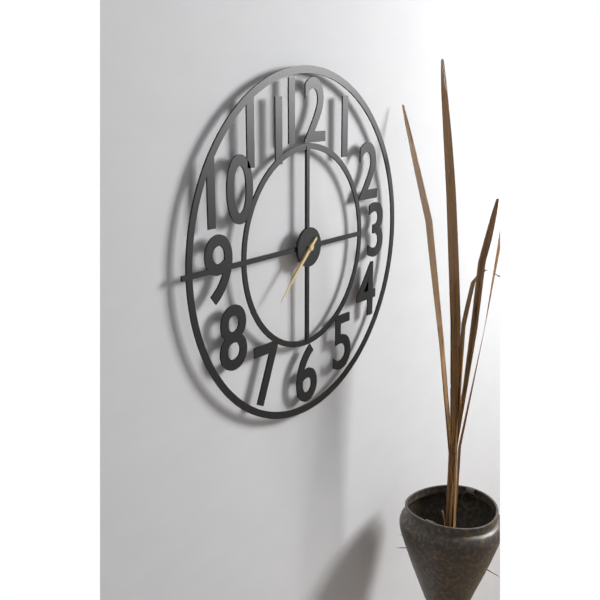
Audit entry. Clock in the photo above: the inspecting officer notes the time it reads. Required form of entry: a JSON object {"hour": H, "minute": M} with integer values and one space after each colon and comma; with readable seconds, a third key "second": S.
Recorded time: {"hour": 7, "minute": 38}
